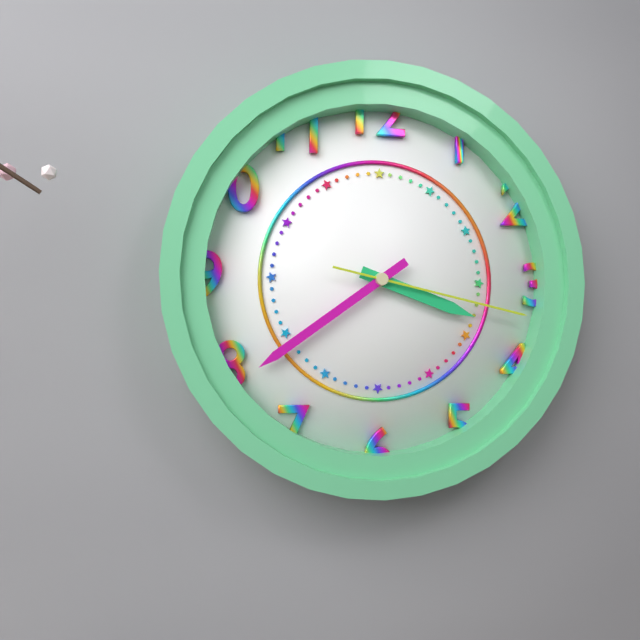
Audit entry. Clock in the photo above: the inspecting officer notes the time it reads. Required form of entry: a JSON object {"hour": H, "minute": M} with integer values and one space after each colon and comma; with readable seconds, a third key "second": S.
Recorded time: {"hour": 3, "minute": 39, "second": 17}
